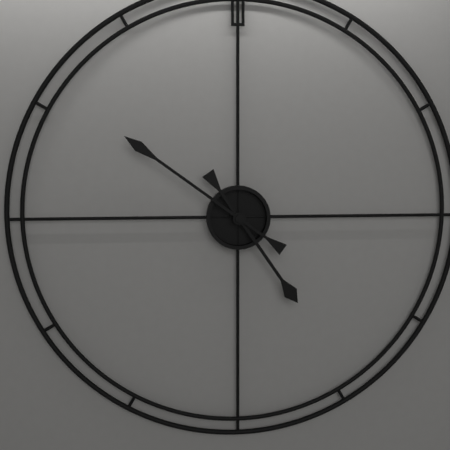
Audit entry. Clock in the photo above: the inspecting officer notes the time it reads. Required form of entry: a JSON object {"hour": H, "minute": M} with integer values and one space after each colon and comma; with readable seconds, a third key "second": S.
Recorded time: {"hour": 4, "minute": 51}
